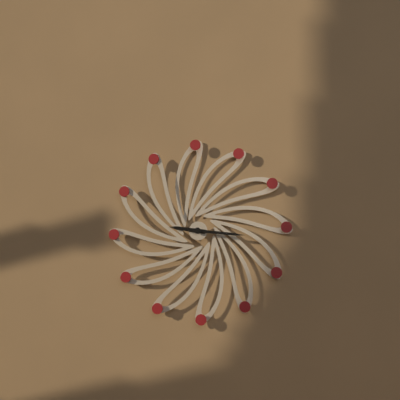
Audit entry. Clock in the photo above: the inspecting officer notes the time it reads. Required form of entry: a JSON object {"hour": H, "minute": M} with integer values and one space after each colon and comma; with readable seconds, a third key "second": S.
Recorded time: {"hour": 9, "minute": 16}
